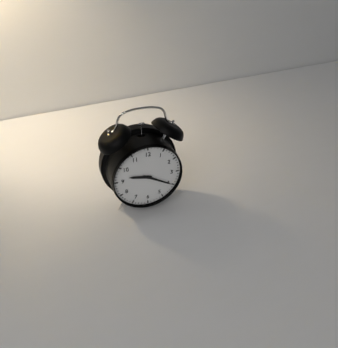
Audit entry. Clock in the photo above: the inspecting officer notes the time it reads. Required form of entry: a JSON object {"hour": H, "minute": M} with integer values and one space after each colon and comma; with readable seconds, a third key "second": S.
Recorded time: {"hour": 9, "minute": 20}
